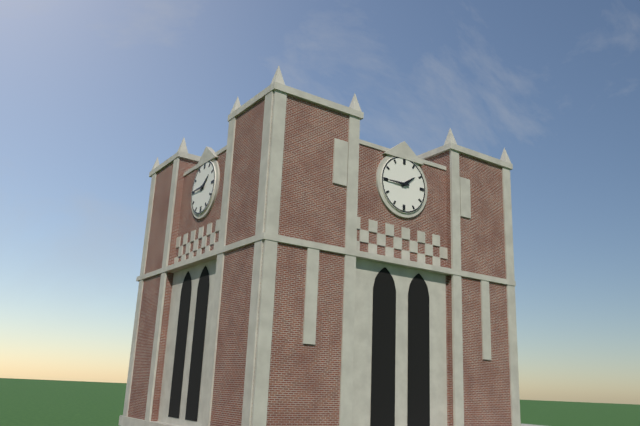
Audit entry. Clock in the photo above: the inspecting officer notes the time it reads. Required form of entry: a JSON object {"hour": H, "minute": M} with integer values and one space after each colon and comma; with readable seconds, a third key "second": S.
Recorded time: {"hour": 1, "minute": 45}
